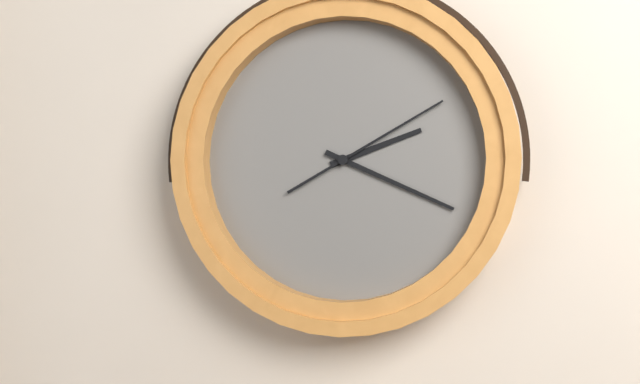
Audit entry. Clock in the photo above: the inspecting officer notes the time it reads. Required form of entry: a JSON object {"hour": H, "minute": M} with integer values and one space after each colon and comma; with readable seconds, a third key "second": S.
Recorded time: {"hour": 2, "minute": 19, "second": 10}
